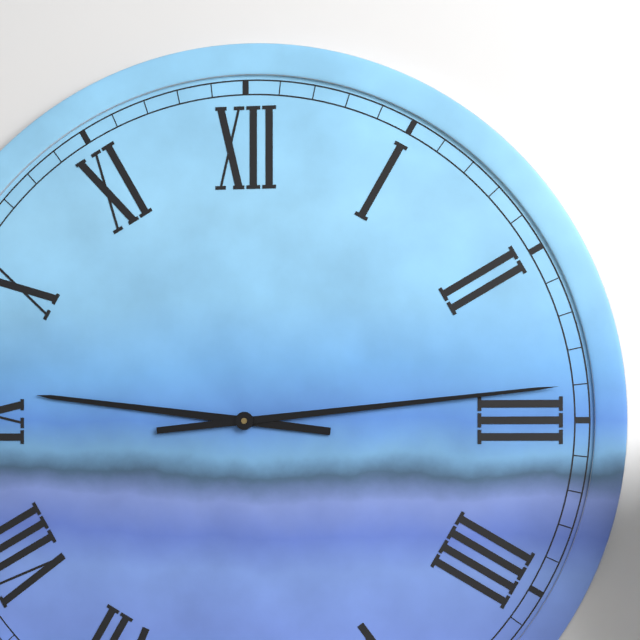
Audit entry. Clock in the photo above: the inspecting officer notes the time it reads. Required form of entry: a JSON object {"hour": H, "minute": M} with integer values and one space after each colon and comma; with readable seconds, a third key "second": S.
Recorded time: {"hour": 9, "minute": 14}
